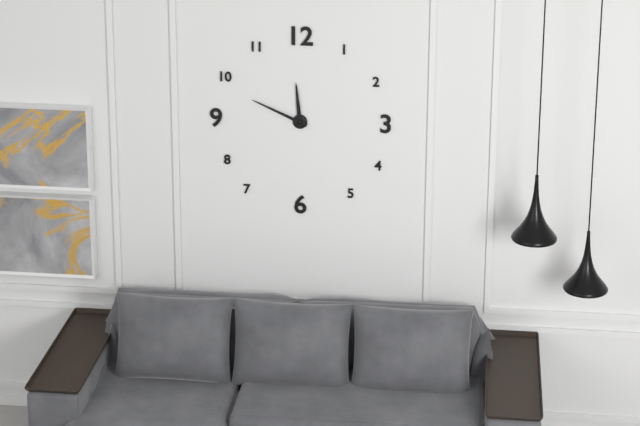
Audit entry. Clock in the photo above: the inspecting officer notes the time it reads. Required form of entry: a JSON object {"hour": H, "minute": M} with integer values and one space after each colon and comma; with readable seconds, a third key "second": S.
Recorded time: {"hour": 11, "minute": 49}
